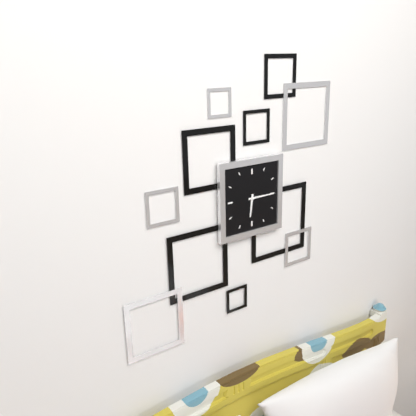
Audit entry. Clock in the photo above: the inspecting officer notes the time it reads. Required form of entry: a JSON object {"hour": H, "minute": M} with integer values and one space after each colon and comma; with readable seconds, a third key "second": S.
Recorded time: {"hour": 6, "minute": 15}
